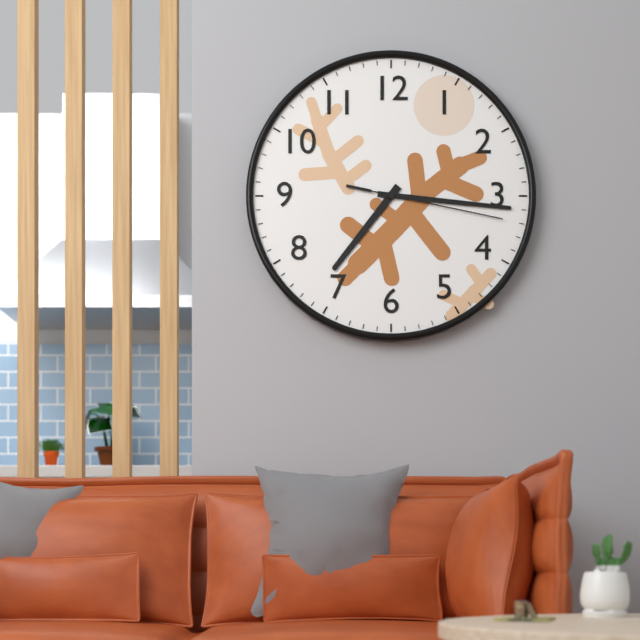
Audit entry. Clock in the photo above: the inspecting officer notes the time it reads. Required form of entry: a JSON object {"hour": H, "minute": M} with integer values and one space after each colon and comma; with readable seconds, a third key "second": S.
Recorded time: {"hour": 7, "minute": 16, "second": 17}
